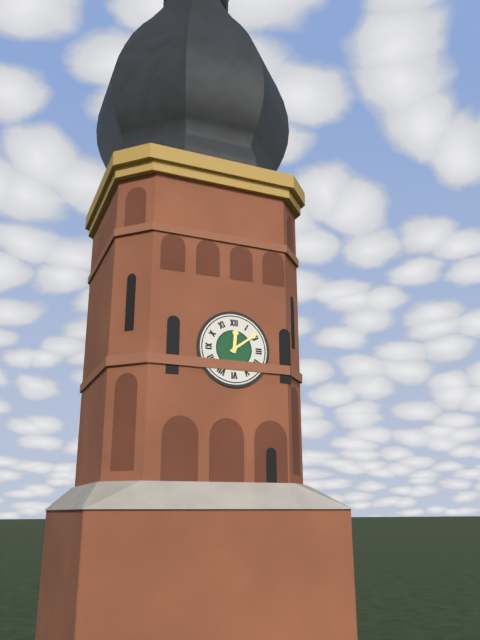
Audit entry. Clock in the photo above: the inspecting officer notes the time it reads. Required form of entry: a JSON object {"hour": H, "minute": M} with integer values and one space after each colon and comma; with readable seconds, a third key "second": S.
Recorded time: {"hour": 12, "minute": 9}
